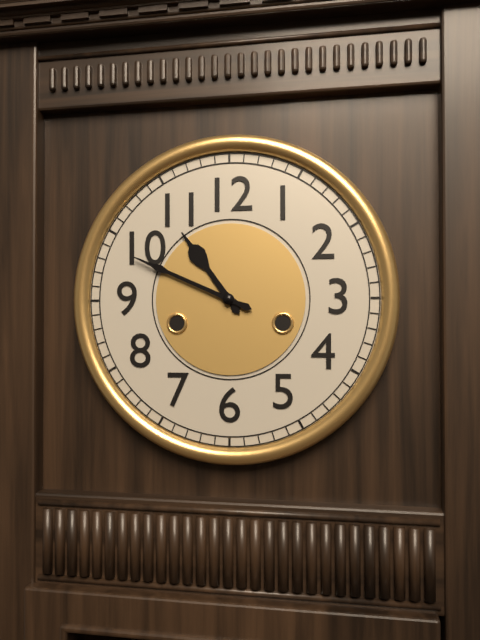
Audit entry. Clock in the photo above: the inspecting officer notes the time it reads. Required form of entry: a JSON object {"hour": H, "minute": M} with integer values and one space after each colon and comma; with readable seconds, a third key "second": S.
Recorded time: {"hour": 10, "minute": 49}
